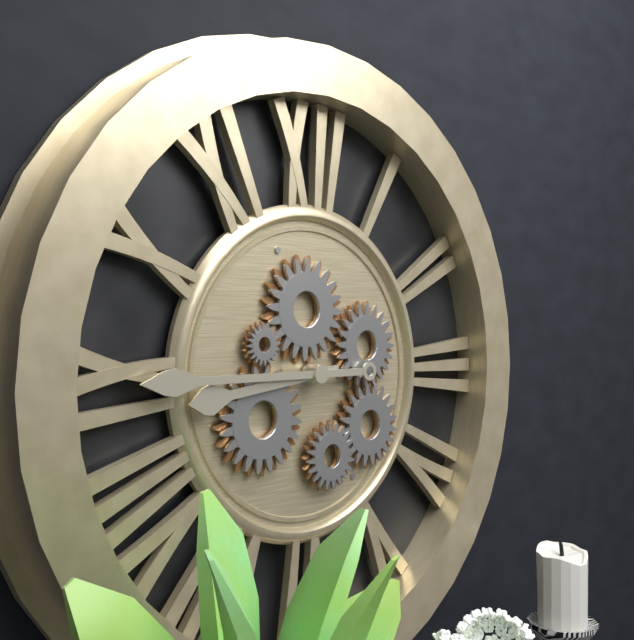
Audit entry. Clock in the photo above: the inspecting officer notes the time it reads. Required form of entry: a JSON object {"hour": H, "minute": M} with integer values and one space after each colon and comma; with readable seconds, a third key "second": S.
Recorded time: {"hour": 8, "minute": 45}
